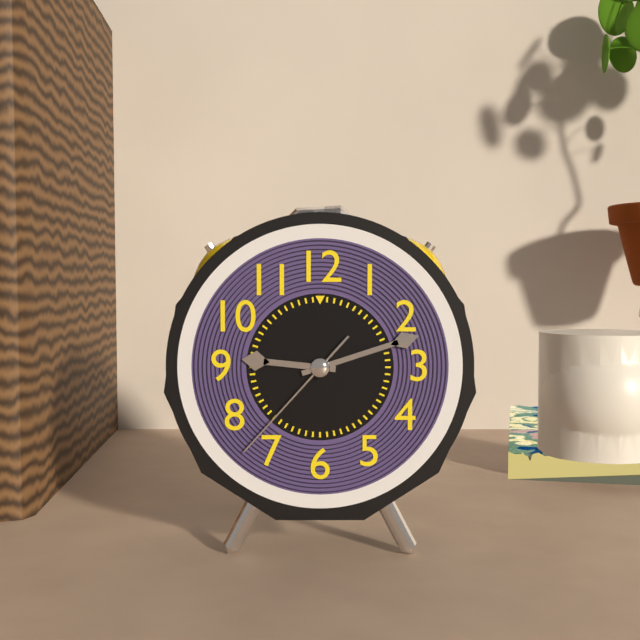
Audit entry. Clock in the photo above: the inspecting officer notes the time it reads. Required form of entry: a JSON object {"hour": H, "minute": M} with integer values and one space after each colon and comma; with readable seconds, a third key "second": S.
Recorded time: {"hour": 9, "minute": 12, "second": 37}
